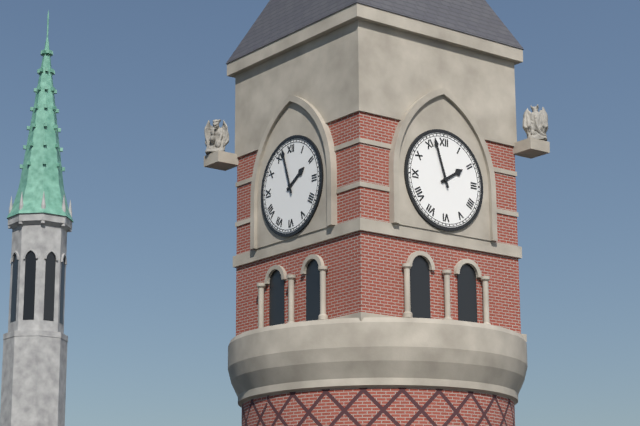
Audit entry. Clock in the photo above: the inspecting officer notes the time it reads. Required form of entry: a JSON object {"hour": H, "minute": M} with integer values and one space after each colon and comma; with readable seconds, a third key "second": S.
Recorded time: {"hour": 1, "minute": 57}
